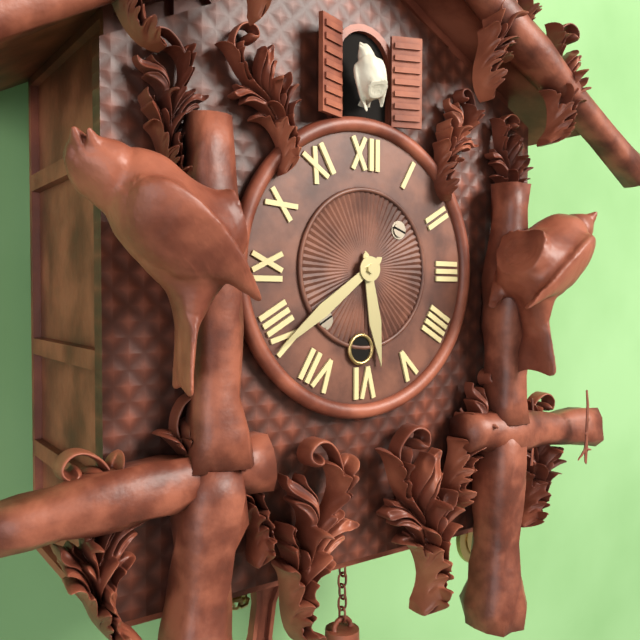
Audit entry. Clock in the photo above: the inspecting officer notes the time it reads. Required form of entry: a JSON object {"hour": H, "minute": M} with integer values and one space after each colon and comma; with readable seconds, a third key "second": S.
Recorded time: {"hour": 5, "minute": 39}
